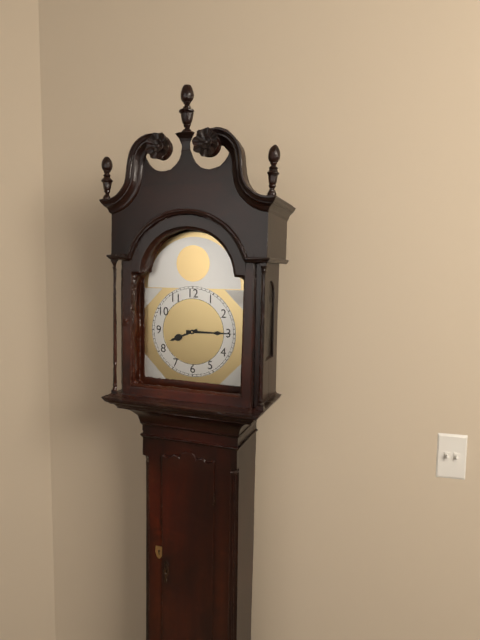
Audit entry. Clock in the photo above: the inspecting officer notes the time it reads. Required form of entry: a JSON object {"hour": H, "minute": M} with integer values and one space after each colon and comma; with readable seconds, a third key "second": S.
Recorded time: {"hour": 8, "minute": 15}
